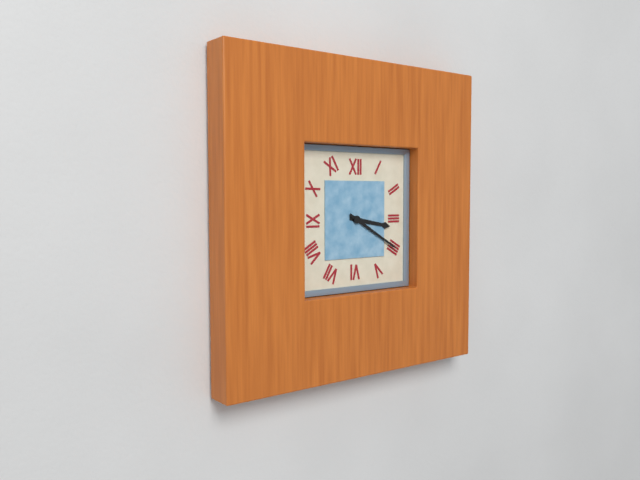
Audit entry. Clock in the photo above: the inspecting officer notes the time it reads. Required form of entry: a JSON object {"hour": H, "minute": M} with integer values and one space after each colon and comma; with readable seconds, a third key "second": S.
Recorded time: {"hour": 3, "minute": 20}
